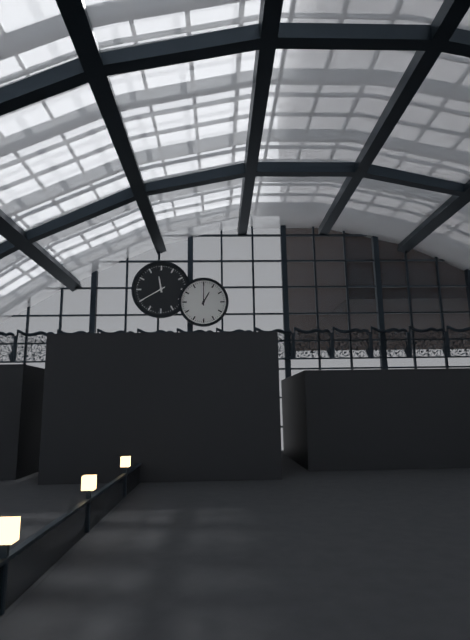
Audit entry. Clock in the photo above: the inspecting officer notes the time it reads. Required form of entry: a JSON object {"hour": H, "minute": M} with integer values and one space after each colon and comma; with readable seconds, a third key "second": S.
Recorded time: {"hour": 1, "minute": 0}
